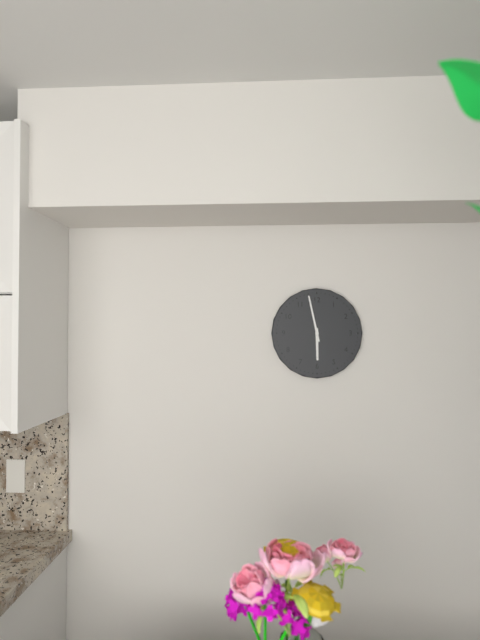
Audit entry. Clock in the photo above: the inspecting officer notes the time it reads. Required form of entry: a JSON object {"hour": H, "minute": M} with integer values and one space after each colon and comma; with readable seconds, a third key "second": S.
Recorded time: {"hour": 5, "minute": 58}
